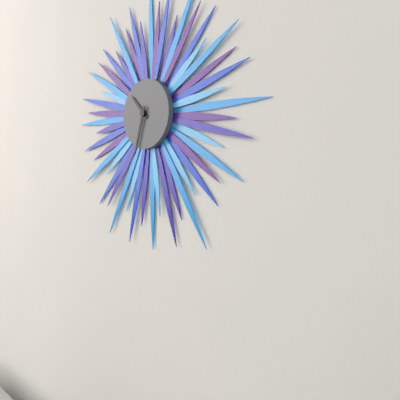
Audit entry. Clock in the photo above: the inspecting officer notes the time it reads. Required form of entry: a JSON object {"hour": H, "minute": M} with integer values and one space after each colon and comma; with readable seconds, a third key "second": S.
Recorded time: {"hour": 10, "minute": 33}
